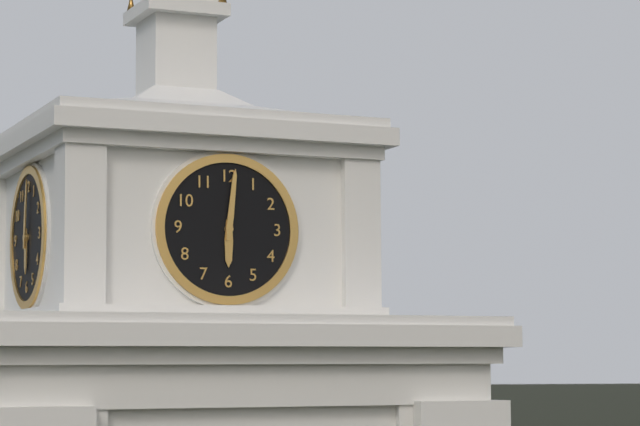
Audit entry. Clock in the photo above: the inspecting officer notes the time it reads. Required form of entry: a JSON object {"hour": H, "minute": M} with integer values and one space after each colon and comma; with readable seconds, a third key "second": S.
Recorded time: {"hour": 6, "minute": 1}
